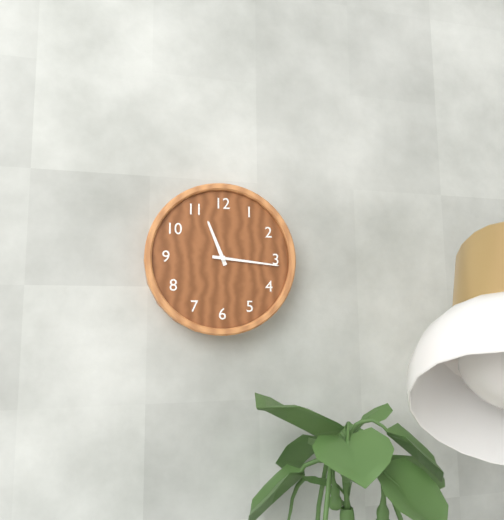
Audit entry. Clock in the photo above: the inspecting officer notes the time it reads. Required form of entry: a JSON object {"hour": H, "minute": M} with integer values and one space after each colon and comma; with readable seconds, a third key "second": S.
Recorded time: {"hour": 11, "minute": 16}
